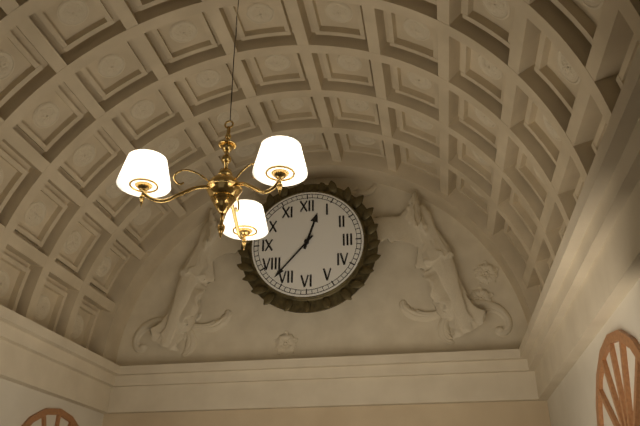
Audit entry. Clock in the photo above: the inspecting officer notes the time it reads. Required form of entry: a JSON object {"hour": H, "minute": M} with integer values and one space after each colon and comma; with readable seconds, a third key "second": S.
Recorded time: {"hour": 12, "minute": 37}
